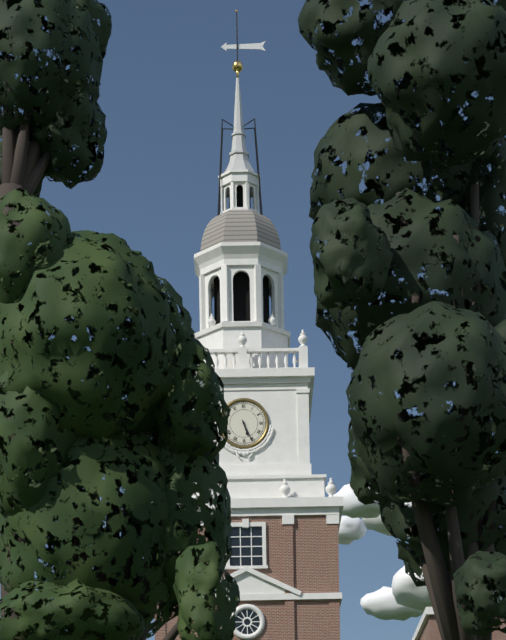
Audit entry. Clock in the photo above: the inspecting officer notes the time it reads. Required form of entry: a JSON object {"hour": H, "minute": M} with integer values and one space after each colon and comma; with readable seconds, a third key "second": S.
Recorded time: {"hour": 5, "minute": 26}
